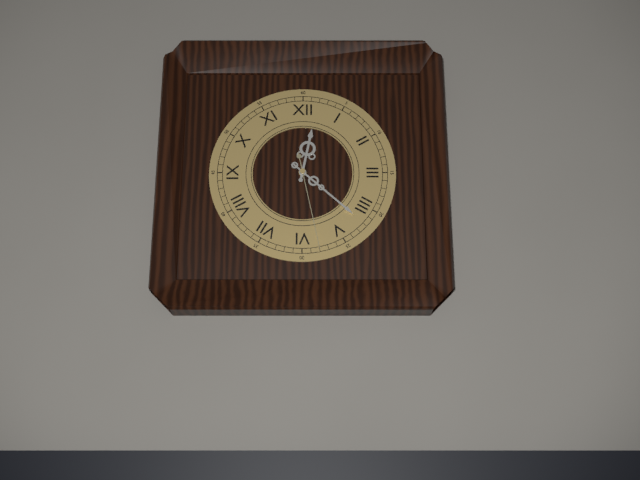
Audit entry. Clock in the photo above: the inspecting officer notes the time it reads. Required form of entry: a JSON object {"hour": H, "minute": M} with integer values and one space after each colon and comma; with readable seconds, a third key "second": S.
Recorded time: {"hour": 12, "minute": 22, "second": 28}
